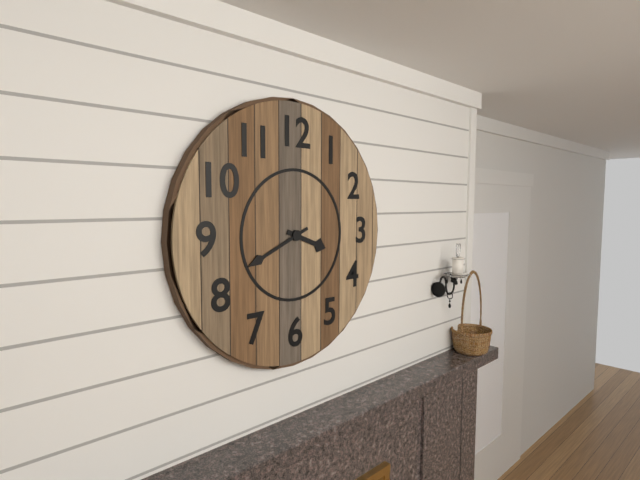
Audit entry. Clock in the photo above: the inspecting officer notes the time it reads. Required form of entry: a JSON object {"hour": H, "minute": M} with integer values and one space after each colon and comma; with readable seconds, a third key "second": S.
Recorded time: {"hour": 3, "minute": 41}
